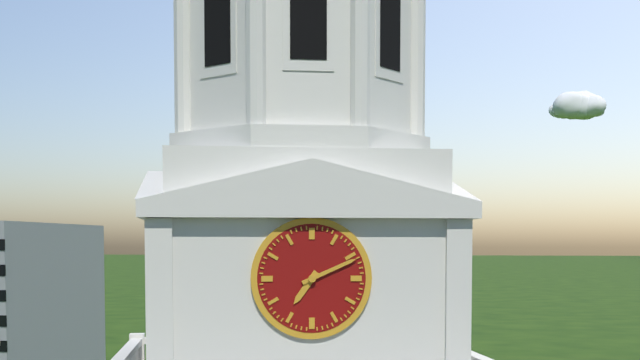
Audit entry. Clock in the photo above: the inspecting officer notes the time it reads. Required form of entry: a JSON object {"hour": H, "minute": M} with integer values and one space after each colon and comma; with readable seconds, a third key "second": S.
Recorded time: {"hour": 7, "minute": 11}
